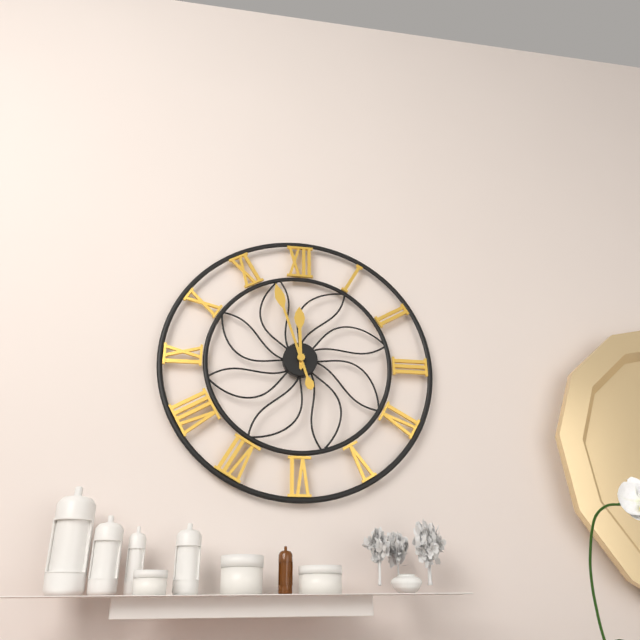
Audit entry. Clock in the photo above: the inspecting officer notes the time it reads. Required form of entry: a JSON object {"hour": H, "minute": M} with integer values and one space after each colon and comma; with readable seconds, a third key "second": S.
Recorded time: {"hour": 11, "minute": 57}
